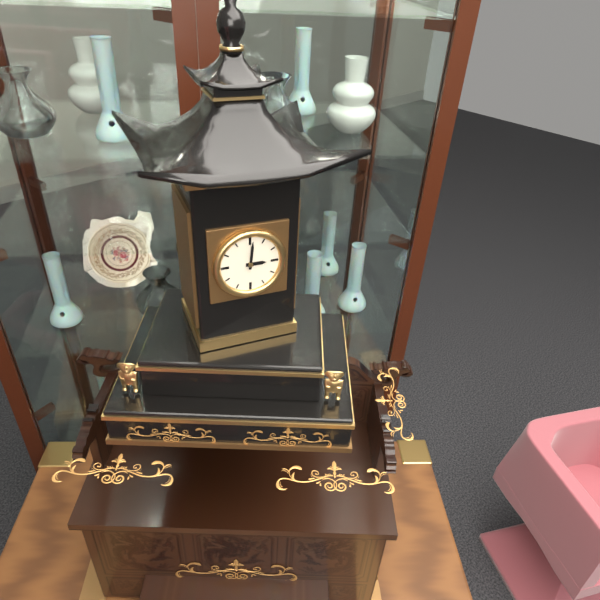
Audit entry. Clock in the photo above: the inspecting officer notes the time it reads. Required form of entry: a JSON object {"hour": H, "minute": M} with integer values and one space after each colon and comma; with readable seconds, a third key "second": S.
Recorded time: {"hour": 3, "minute": 1}
